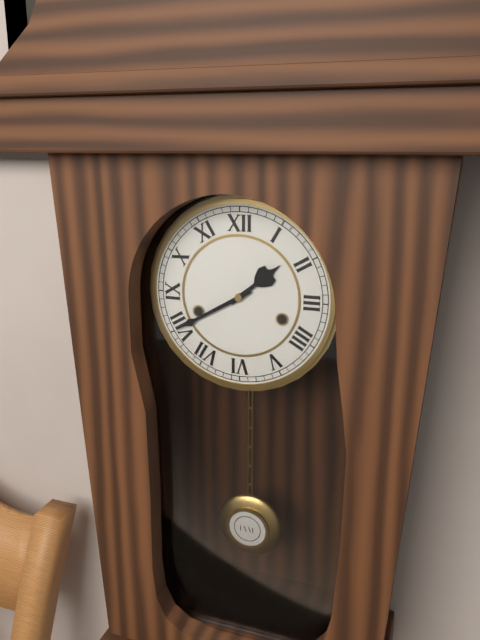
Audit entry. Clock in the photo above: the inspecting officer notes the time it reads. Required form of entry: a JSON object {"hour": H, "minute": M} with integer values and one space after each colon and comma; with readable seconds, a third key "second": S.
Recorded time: {"hour": 1, "minute": 40}
